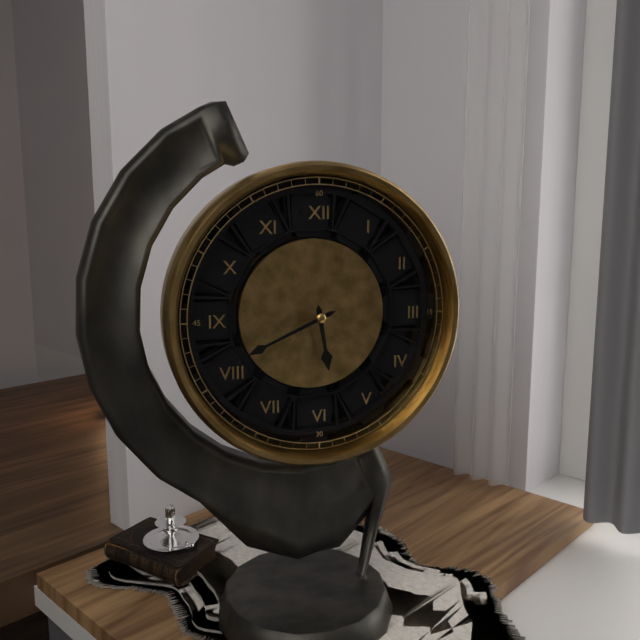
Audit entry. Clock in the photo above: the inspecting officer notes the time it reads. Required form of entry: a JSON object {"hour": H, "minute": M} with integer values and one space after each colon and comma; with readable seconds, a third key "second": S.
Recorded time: {"hour": 5, "minute": 41}
